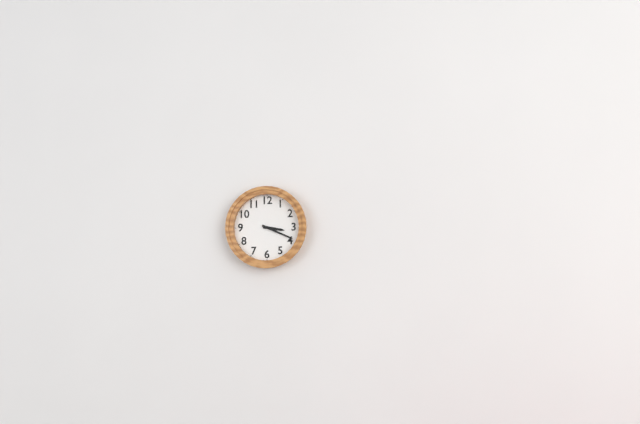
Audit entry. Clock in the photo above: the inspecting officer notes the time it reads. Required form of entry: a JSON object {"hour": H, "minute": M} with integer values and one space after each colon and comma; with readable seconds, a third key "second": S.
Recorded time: {"hour": 3, "minute": 19}
